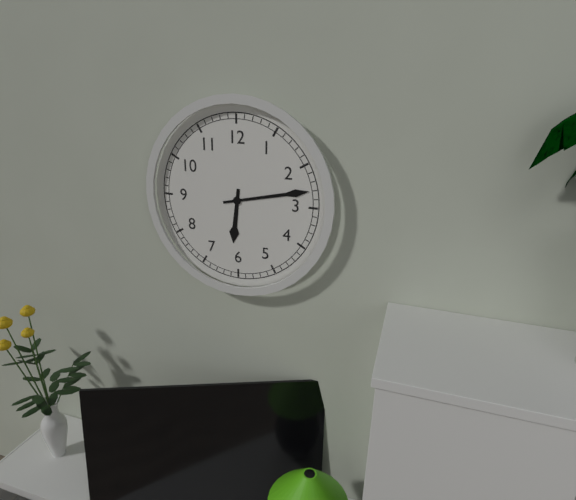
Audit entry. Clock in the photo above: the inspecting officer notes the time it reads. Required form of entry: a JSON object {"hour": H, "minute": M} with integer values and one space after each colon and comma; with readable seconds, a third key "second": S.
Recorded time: {"hour": 6, "minute": 13}
